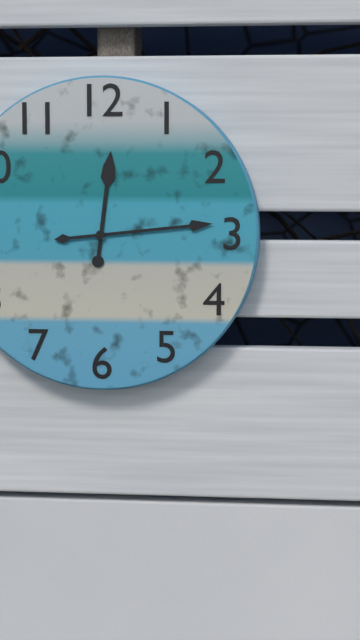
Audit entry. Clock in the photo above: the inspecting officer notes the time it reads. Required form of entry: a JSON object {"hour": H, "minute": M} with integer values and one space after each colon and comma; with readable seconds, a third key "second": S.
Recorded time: {"hour": 12, "minute": 14}
